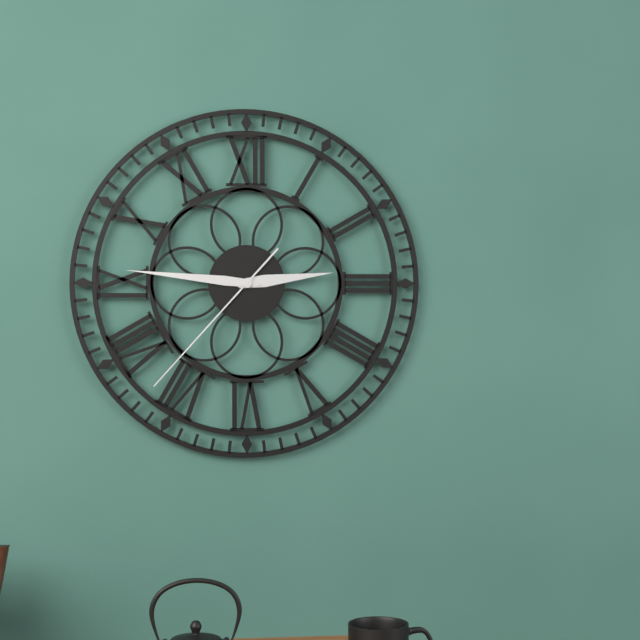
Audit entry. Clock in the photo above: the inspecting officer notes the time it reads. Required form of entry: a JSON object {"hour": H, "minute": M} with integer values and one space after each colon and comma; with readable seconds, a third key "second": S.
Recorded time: {"hour": 2, "minute": 46, "second": 37}
